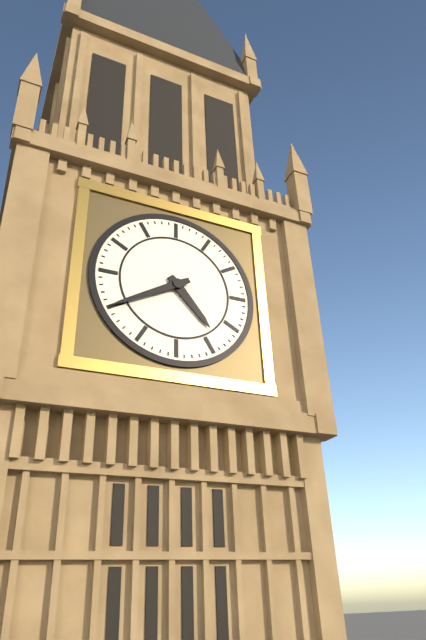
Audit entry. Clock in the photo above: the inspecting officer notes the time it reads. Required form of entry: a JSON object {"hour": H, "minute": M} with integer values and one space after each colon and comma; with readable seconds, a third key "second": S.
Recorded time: {"hour": 4, "minute": 40}
